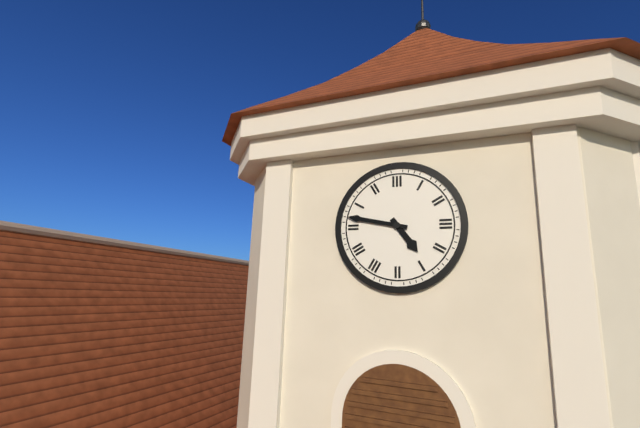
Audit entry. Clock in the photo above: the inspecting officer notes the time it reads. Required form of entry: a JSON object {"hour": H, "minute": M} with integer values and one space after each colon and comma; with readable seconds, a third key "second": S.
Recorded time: {"hour": 4, "minute": 47}
